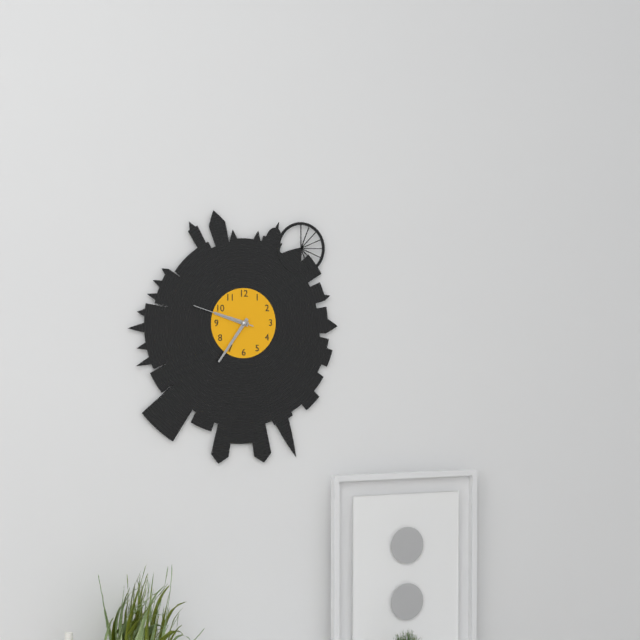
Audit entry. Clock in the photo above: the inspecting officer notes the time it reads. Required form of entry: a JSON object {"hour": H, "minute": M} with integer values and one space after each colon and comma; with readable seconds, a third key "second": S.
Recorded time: {"hour": 9, "minute": 36, "second": 48}
